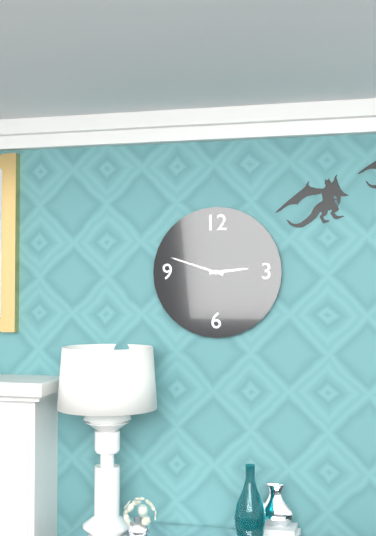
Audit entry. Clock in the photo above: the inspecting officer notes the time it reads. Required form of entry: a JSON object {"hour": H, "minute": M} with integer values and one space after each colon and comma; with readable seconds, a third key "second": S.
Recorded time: {"hour": 2, "minute": 48}
